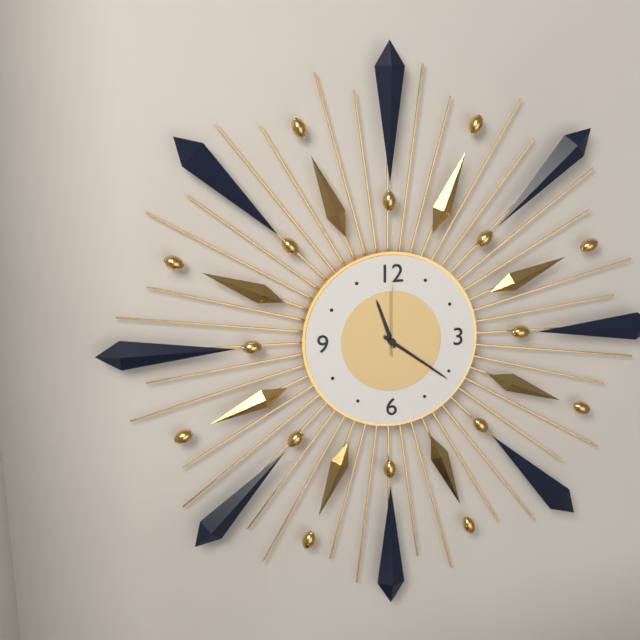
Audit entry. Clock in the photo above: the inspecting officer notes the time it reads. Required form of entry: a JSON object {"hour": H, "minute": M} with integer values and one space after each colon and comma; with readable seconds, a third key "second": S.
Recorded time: {"hour": 11, "minute": 21, "second": 0}
